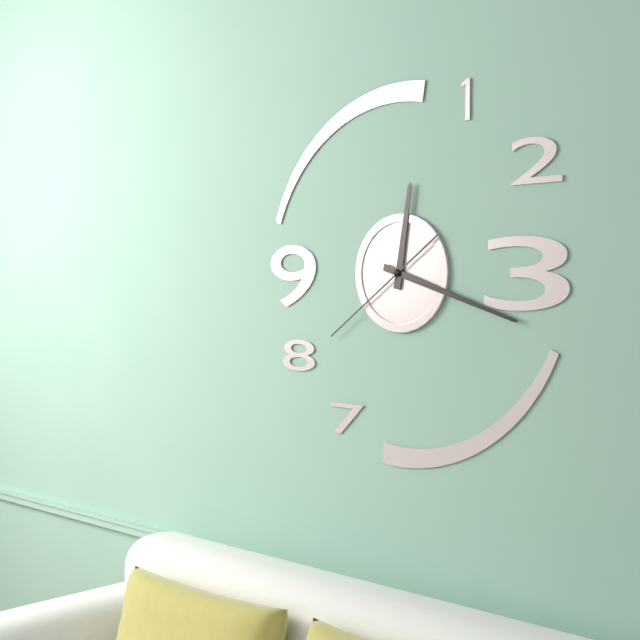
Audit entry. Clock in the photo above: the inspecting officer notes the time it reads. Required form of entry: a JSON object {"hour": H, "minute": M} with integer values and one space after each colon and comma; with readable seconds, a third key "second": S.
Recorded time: {"hour": 12, "minute": 18, "second": 39}
